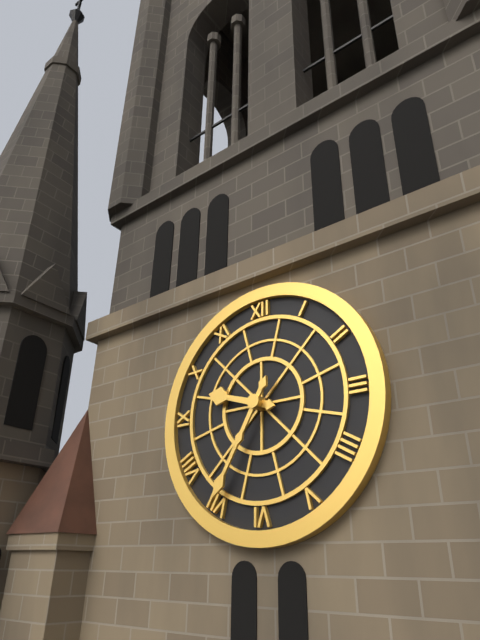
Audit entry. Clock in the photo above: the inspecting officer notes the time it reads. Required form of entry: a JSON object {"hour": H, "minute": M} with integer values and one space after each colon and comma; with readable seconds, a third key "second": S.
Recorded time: {"hour": 9, "minute": 35}
